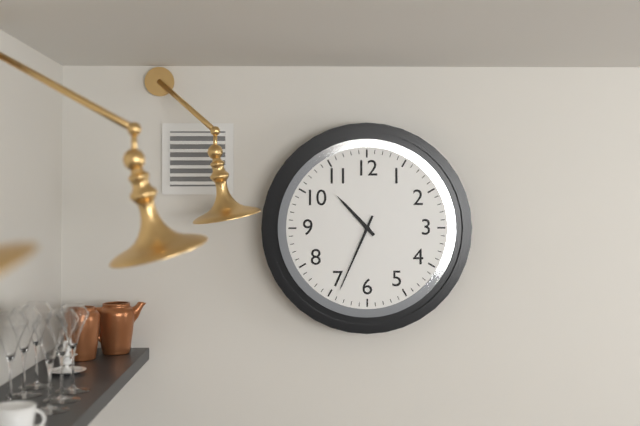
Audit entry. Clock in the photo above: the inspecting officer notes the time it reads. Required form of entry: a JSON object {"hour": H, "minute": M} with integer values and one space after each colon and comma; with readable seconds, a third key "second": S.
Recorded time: {"hour": 10, "minute": 34}
